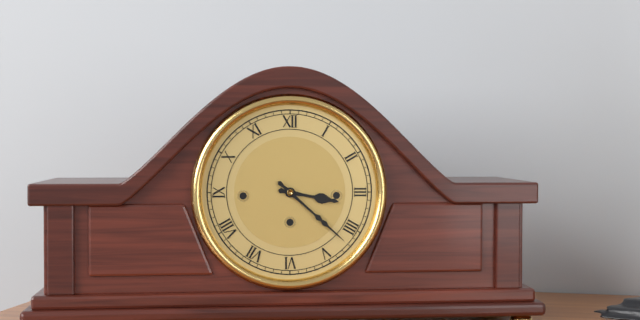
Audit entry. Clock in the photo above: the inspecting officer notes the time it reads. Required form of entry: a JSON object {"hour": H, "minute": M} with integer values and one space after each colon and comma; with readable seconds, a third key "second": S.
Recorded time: {"hour": 3, "minute": 22}
